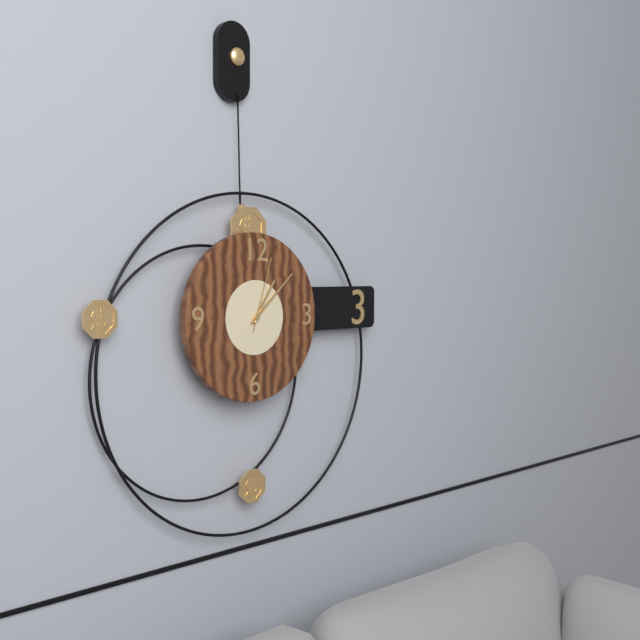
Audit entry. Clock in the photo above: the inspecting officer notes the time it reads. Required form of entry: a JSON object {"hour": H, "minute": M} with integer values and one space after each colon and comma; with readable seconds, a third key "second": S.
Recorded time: {"hour": 1, "minute": 8, "second": 3}
